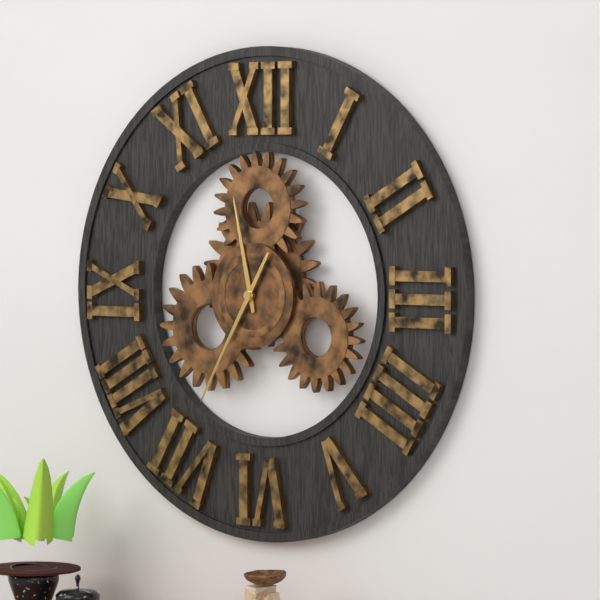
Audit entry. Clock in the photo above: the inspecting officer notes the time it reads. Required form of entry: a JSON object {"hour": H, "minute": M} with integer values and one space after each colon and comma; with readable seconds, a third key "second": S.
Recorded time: {"hour": 11, "minute": 35}
